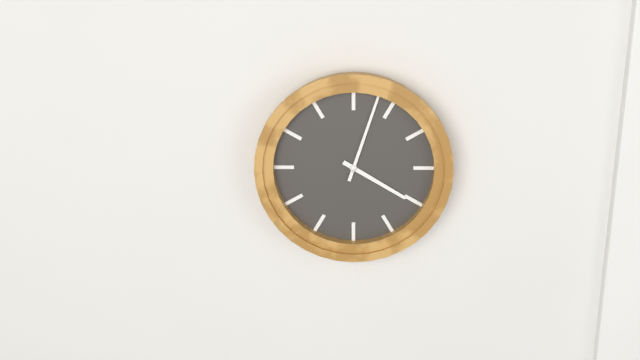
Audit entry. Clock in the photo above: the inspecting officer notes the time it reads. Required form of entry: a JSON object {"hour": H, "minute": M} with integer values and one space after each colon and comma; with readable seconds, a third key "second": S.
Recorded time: {"hour": 4, "minute": 3}
